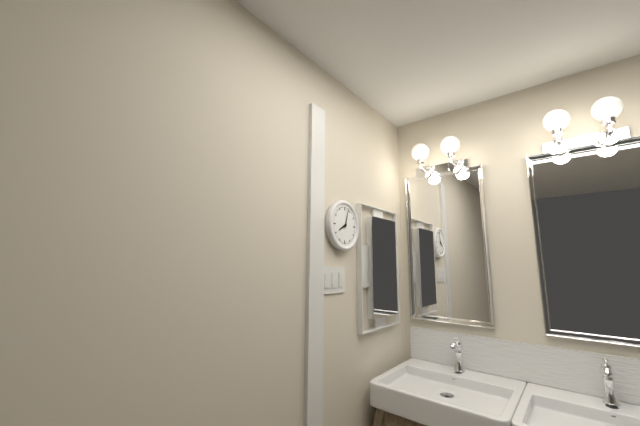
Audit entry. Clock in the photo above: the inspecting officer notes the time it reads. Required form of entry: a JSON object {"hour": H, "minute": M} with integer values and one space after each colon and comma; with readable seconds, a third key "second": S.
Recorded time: {"hour": 8, "minute": 3}
